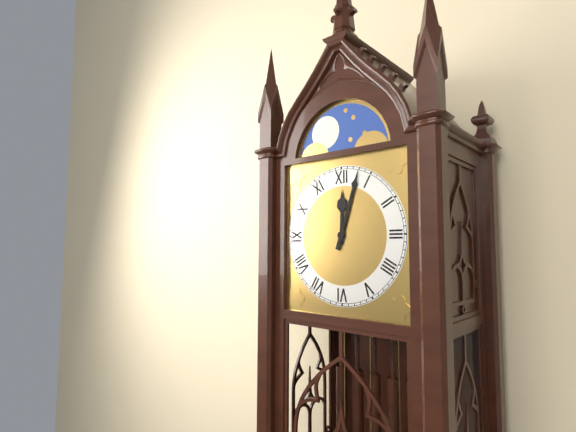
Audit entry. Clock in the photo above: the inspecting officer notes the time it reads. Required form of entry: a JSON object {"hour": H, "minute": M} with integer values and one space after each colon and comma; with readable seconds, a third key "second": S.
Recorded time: {"hour": 12, "minute": 3}
